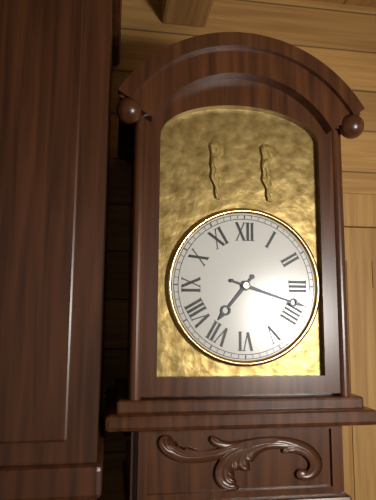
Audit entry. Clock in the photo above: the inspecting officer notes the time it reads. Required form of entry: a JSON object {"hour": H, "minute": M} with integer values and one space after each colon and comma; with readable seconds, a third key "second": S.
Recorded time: {"hour": 7, "minute": 18}
